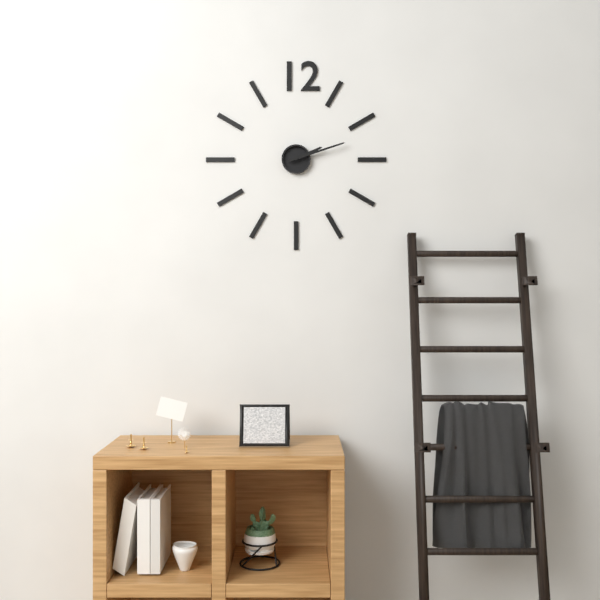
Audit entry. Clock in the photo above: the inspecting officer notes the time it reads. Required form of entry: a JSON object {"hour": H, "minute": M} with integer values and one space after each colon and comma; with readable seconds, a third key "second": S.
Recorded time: {"hour": 2, "minute": 12}
